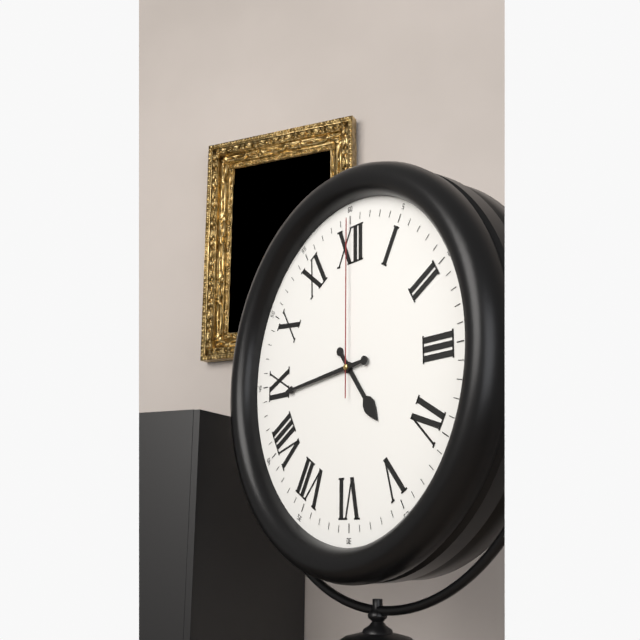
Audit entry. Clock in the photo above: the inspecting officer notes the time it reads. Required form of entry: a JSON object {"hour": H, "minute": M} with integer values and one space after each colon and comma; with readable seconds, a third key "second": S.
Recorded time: {"hour": 4, "minute": 44, "second": 0}
